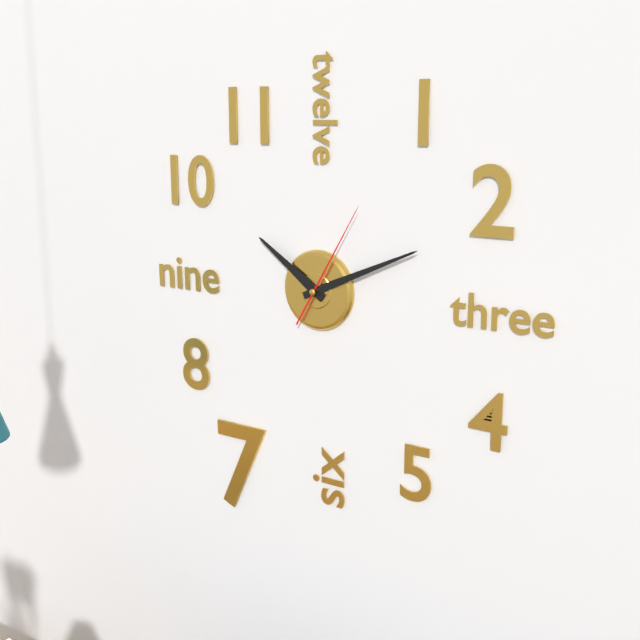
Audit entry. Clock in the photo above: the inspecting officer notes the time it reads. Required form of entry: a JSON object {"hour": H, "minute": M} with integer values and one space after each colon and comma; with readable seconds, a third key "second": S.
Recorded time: {"hour": 10, "minute": 11, "second": 5}
